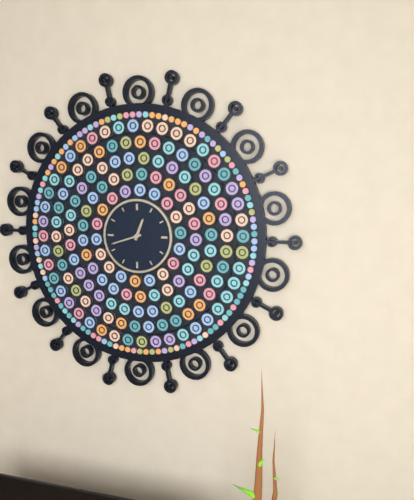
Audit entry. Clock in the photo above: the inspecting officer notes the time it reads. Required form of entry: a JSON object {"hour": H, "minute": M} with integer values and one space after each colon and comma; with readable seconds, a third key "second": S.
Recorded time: {"hour": 12, "minute": 42}
